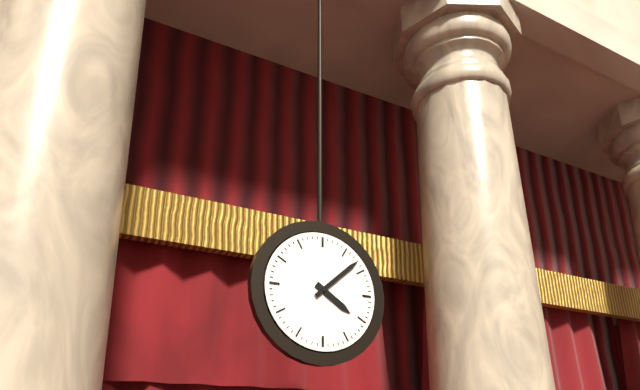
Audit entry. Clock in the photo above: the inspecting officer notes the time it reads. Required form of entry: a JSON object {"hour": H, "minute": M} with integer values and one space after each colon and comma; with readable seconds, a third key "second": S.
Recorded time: {"hour": 4, "minute": 8}
